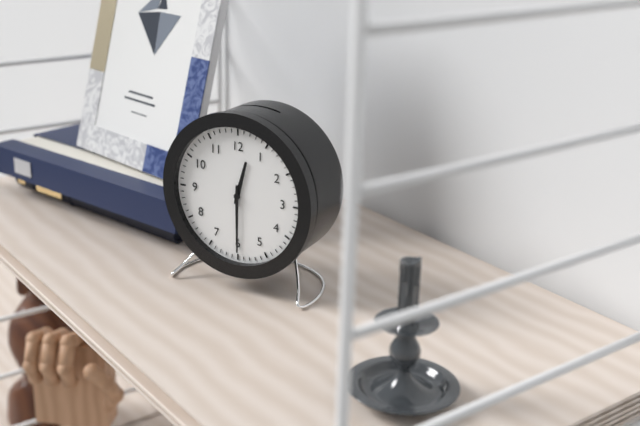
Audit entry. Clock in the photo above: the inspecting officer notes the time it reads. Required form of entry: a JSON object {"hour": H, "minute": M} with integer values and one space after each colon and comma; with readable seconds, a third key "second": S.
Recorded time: {"hour": 12, "minute": 30}
